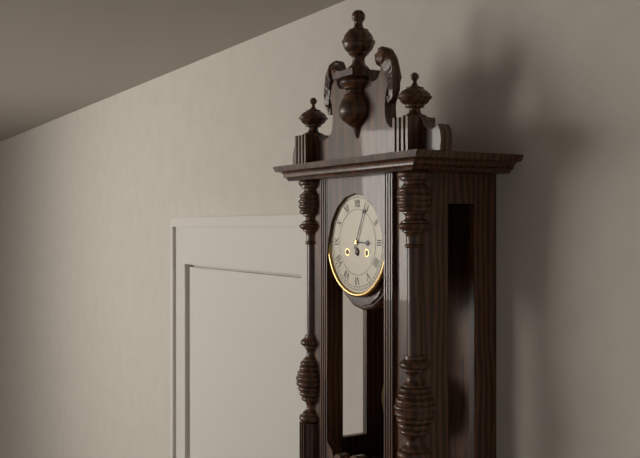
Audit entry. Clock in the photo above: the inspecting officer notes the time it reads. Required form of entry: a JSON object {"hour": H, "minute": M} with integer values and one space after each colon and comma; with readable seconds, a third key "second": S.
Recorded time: {"hour": 3, "minute": 4}
